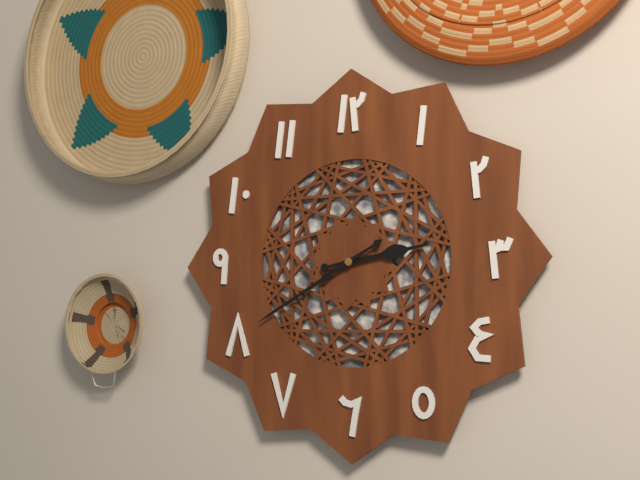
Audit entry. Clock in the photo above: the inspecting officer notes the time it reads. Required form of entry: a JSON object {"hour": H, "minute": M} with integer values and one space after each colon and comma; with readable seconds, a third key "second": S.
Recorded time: {"hour": 2, "minute": 40}
